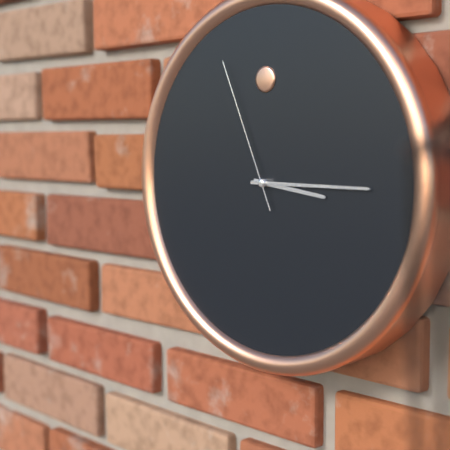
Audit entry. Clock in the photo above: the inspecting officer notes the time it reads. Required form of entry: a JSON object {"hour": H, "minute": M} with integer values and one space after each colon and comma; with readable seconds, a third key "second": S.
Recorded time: {"hour": 3, "minute": 15, "second": 56}
